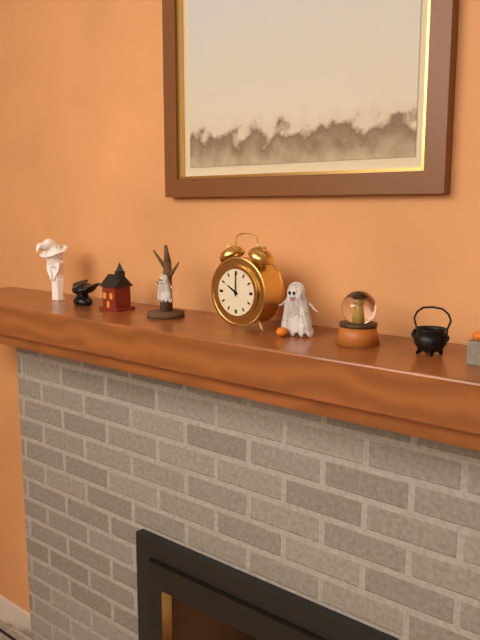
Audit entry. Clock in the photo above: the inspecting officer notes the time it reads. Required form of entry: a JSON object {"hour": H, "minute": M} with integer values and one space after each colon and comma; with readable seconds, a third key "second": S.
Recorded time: {"hour": 10, "minute": 0}
